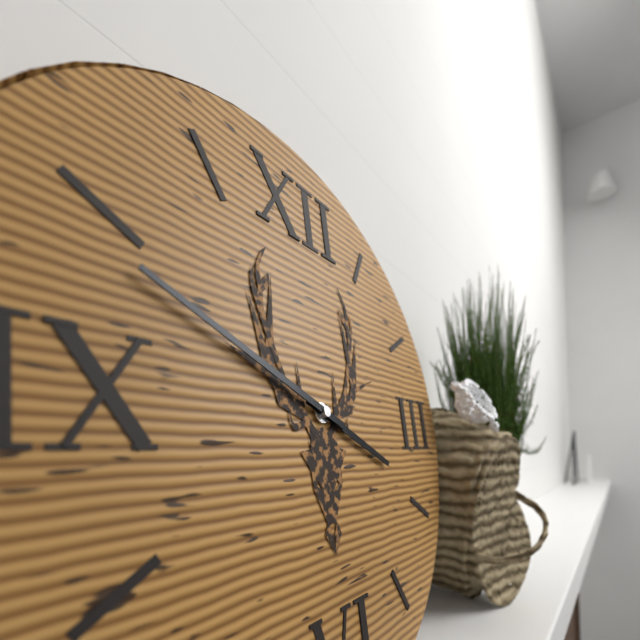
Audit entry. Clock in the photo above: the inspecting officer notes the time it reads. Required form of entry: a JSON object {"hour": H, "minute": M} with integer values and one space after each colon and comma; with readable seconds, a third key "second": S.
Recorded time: {"hour": 3, "minute": 49}
